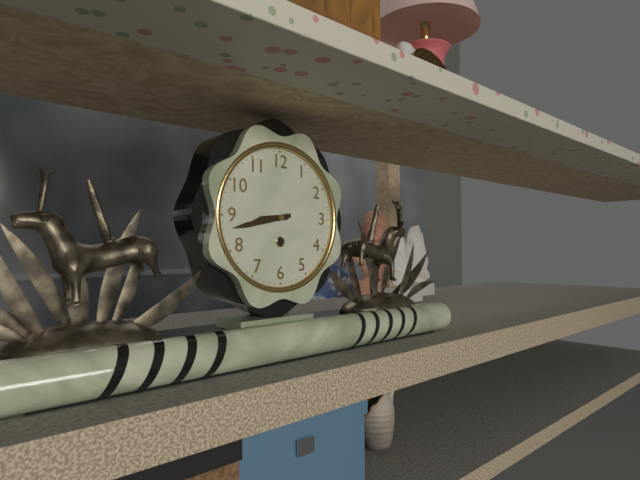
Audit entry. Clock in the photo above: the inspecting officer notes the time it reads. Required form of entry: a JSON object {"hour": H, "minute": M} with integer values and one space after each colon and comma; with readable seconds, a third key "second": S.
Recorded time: {"hour": 8, "minute": 43}
